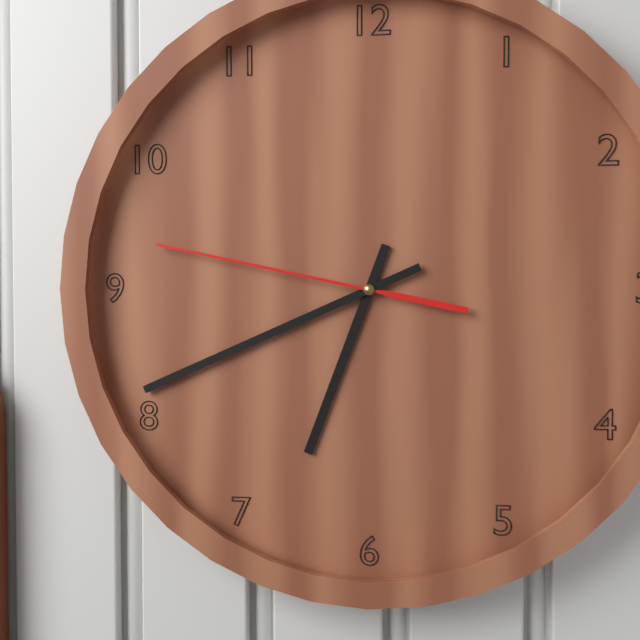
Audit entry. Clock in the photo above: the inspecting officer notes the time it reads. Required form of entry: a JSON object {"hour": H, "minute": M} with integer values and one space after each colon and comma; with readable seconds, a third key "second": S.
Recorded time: {"hour": 6, "minute": 41, "second": 47}
